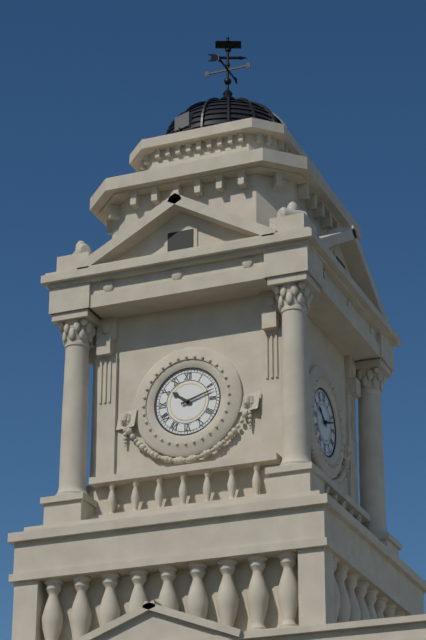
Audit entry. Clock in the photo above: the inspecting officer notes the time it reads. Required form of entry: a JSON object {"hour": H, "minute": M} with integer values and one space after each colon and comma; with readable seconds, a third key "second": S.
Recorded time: {"hour": 10, "minute": 12}
